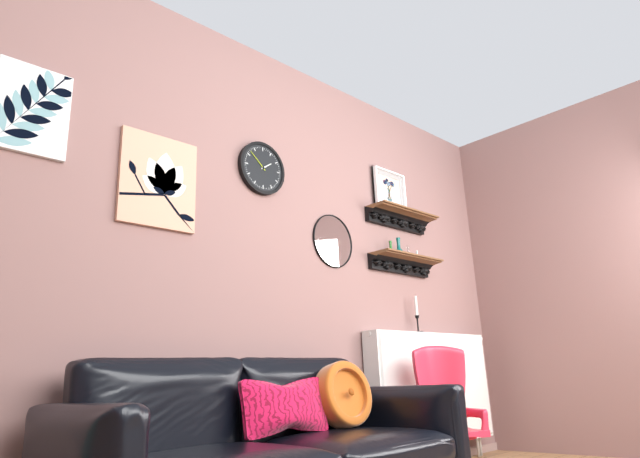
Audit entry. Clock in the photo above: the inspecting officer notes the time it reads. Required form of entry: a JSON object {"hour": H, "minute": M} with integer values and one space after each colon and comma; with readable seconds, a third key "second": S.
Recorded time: {"hour": 1, "minute": 52}
